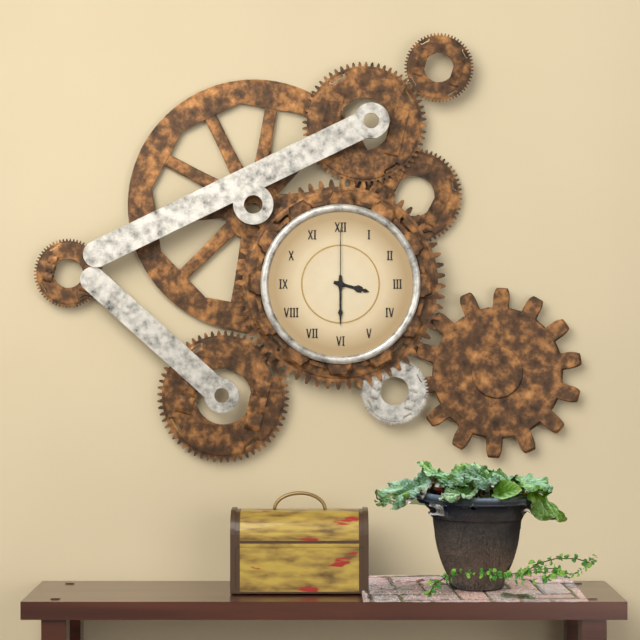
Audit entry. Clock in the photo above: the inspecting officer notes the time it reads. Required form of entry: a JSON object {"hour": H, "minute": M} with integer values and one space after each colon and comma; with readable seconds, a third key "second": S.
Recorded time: {"hour": 3, "minute": 30, "second": 0}
